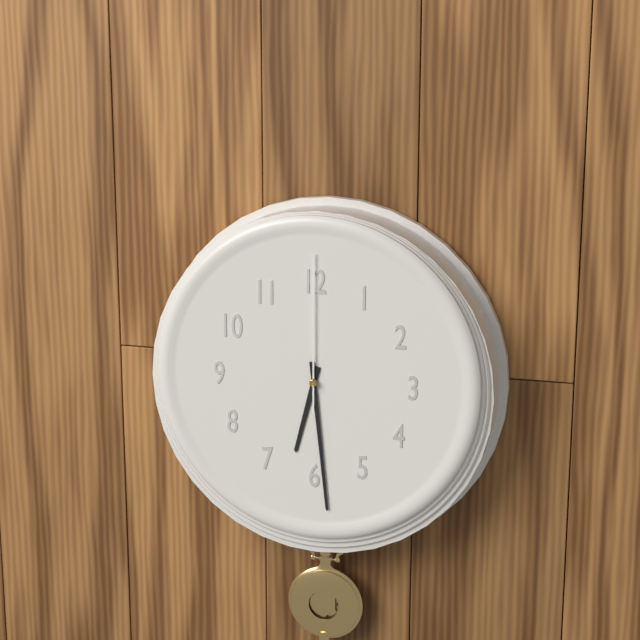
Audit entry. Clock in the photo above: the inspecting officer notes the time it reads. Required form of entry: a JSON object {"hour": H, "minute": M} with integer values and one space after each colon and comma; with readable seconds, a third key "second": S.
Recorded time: {"hour": 6, "minute": 29, "second": 0}
